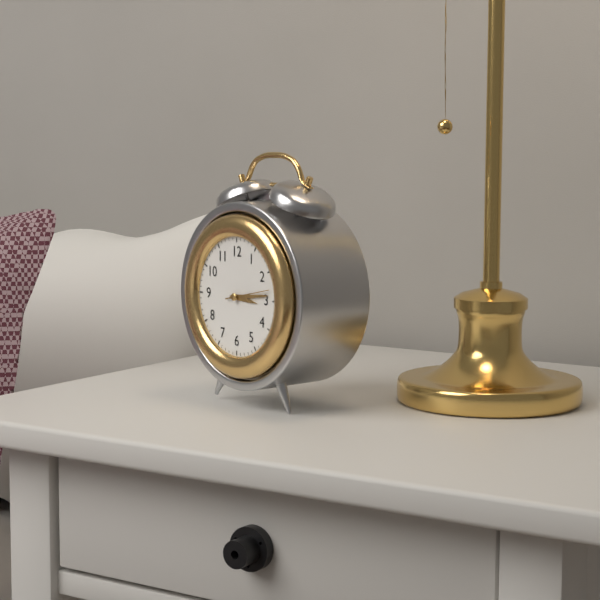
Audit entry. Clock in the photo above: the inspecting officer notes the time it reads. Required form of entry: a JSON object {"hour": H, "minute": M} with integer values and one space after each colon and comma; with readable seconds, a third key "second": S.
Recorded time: {"hour": 3, "minute": 14}
